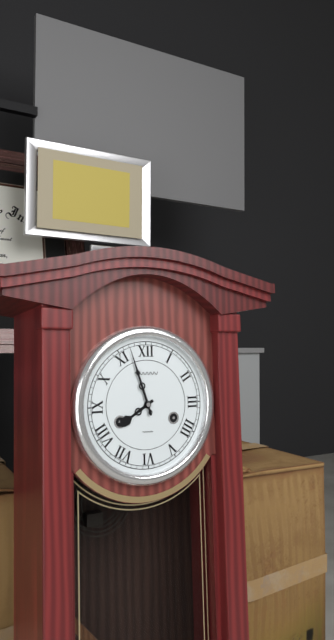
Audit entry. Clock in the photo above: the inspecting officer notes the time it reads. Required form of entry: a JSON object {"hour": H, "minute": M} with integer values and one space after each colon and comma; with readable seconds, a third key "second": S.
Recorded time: {"hour": 7, "minute": 57}
